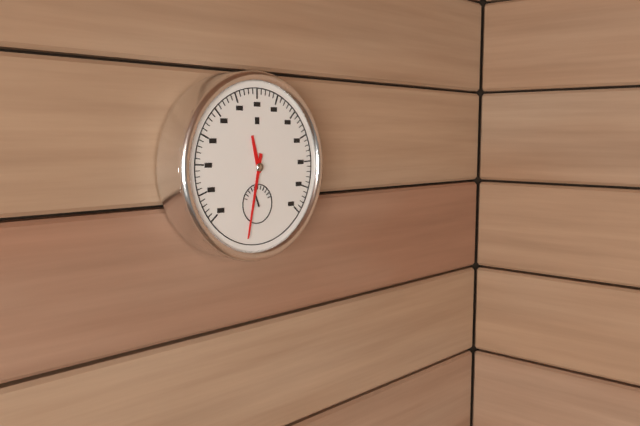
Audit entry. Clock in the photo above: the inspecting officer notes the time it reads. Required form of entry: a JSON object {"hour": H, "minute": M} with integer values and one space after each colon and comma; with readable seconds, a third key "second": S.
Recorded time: {"hour": 11, "minute": 32}
